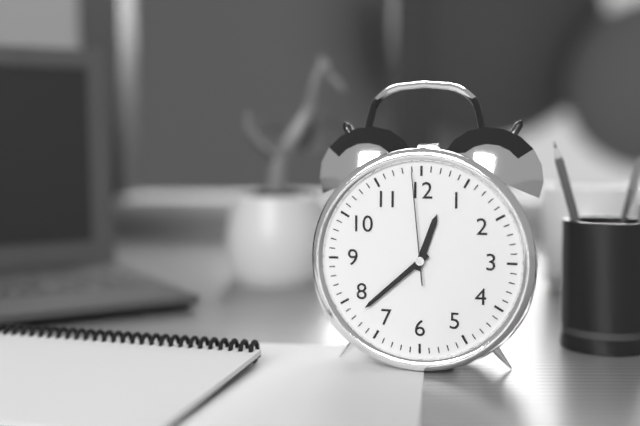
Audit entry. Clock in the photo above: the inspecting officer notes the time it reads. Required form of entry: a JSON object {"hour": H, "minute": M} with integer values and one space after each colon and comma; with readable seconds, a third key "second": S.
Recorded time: {"hour": 12, "minute": 38, "second": 59}
